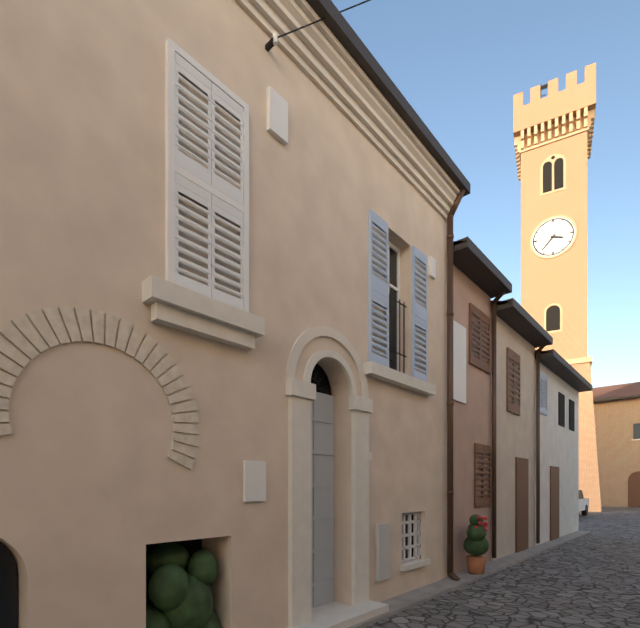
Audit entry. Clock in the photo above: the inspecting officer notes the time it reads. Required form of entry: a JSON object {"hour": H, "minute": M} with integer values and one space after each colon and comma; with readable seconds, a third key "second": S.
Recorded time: {"hour": 3, "minute": 37}
